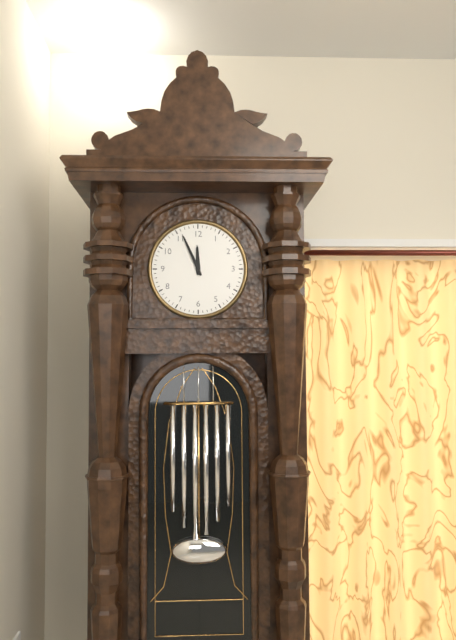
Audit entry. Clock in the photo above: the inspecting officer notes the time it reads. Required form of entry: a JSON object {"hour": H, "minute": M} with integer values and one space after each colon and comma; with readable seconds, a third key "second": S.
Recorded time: {"hour": 11, "minute": 56}
